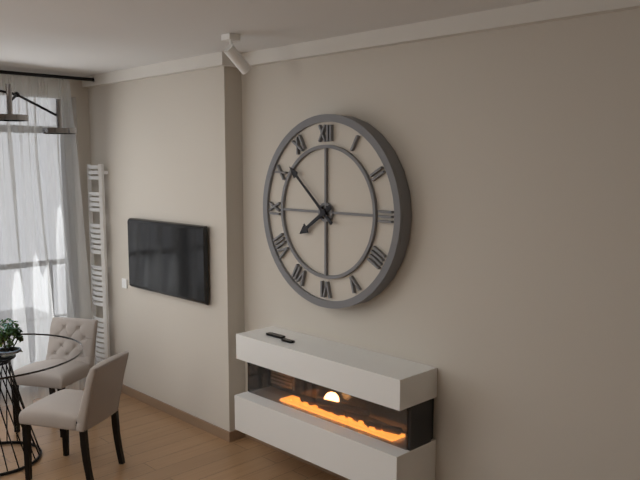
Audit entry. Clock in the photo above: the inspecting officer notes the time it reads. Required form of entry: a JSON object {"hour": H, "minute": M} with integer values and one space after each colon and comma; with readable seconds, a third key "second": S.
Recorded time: {"hour": 7, "minute": 52}
